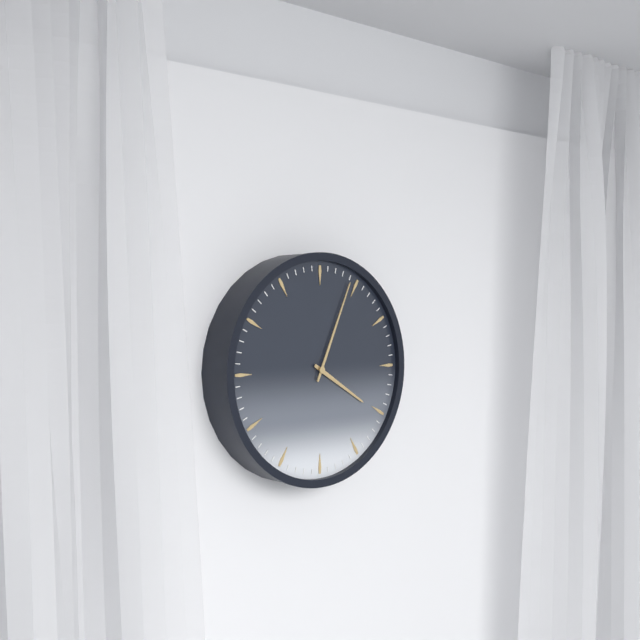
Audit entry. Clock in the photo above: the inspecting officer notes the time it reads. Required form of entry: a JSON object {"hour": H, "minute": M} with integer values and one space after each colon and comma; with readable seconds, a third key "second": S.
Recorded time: {"hour": 4, "minute": 4}
